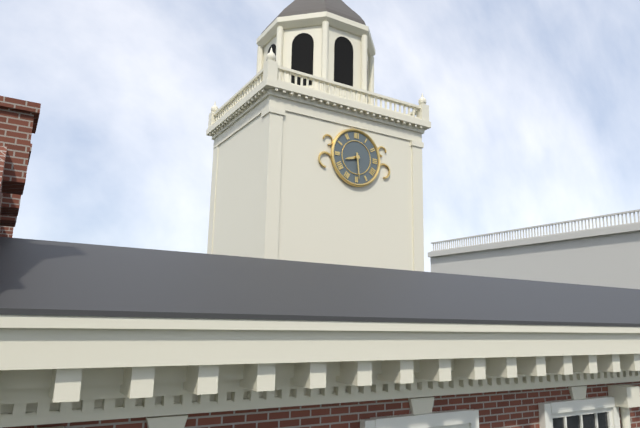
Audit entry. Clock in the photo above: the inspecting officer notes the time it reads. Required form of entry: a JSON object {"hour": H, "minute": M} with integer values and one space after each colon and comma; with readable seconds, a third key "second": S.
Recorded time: {"hour": 8, "minute": 29}
